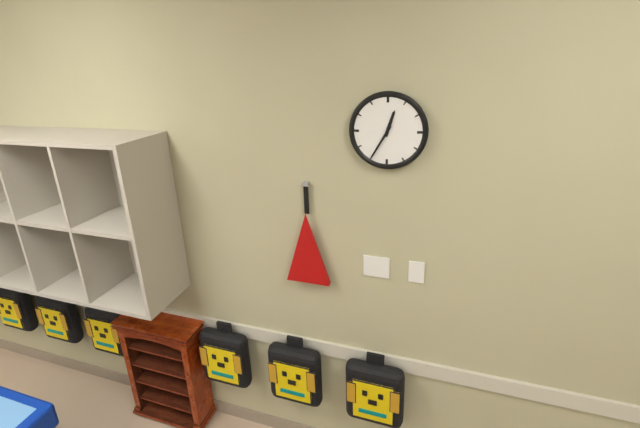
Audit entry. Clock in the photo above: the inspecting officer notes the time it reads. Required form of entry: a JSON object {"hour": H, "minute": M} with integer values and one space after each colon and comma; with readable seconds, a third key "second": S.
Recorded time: {"hour": 12, "minute": 35}
